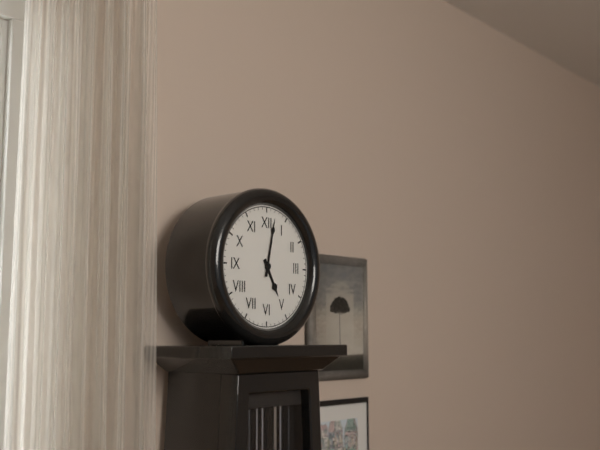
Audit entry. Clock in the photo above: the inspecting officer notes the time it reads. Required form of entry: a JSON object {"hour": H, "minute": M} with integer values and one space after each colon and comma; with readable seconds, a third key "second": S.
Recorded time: {"hour": 5, "minute": 2}
